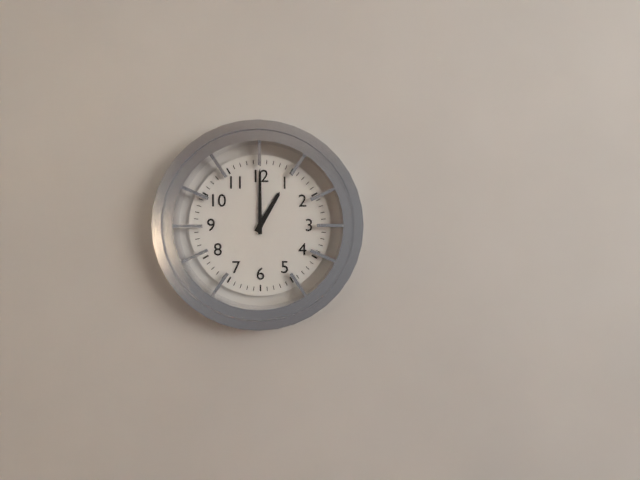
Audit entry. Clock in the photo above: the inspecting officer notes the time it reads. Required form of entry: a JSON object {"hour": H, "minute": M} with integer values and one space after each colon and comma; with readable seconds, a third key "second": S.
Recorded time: {"hour": 1, "minute": 0}
